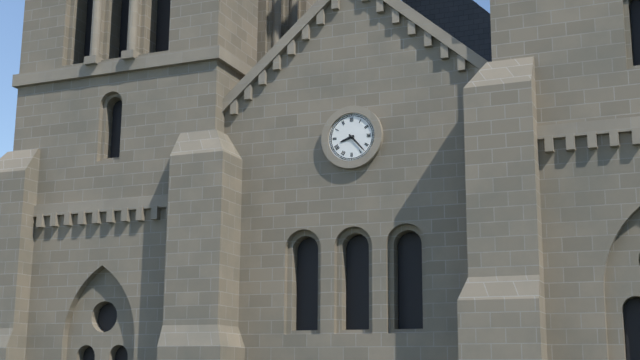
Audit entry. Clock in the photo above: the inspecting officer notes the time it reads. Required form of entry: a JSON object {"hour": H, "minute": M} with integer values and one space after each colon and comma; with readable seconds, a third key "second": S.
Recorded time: {"hour": 8, "minute": 23}
